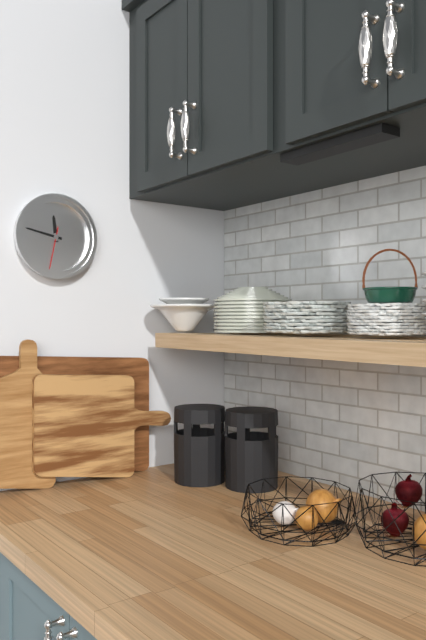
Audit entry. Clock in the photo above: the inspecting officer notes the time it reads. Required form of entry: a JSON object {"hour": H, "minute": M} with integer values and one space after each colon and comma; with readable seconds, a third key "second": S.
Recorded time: {"hour": 11, "minute": 47}
